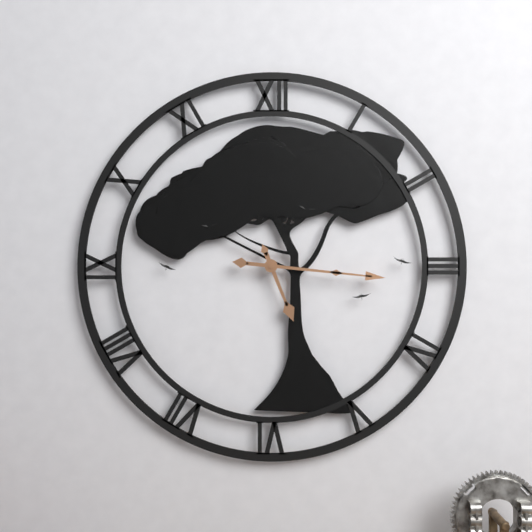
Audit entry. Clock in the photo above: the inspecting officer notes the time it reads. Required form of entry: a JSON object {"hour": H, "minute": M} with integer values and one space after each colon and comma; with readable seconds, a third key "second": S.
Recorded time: {"hour": 5, "minute": 16}
